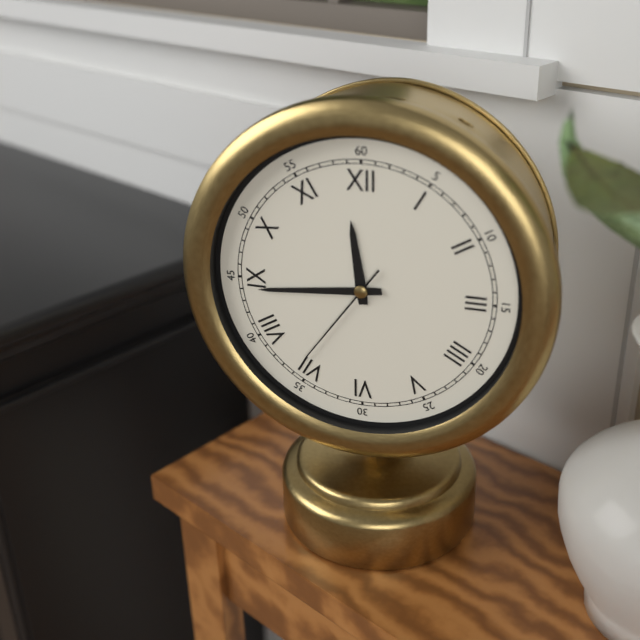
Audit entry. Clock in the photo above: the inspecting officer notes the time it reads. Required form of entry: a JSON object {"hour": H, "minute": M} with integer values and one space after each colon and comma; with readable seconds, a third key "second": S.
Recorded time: {"hour": 11, "minute": 44, "second": 36}
